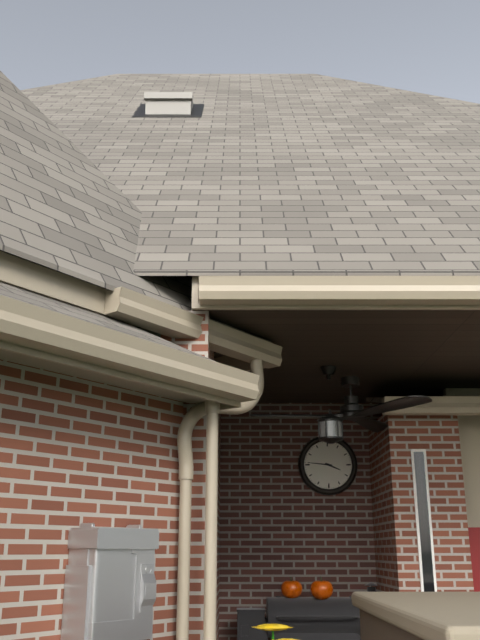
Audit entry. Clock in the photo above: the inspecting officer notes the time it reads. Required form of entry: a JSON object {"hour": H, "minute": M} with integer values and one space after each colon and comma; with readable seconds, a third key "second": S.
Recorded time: {"hour": 3, "minute": 46}
